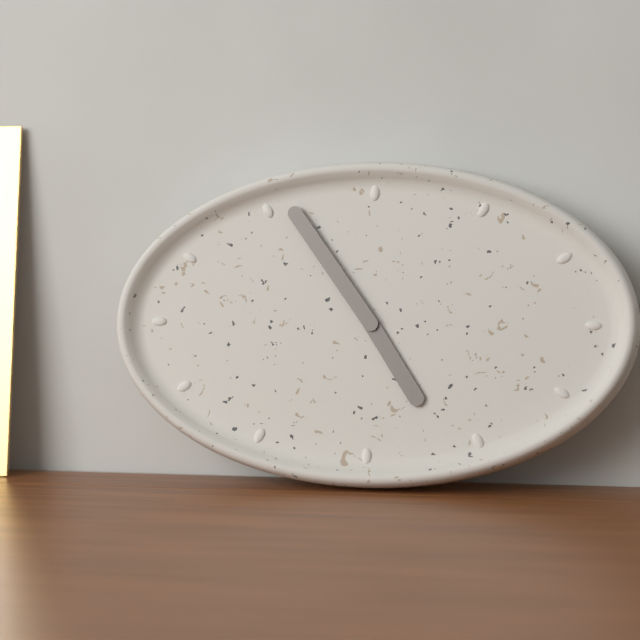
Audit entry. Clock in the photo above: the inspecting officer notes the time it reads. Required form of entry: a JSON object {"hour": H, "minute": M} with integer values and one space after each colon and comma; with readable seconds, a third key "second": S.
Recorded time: {"hour": 4, "minute": 54}
